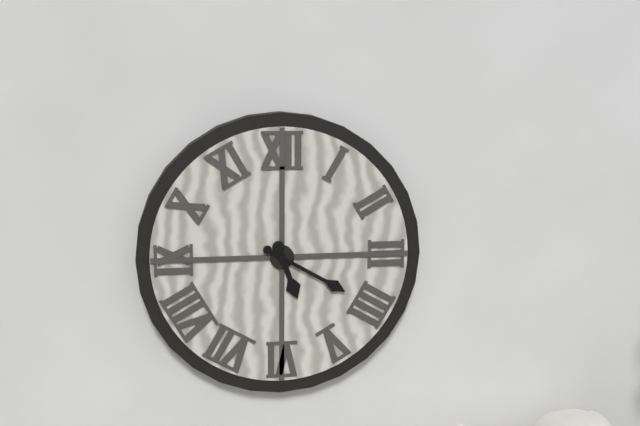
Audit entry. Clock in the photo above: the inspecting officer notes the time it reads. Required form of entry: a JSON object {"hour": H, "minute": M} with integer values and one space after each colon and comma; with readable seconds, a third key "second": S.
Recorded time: {"hour": 5, "minute": 20}
